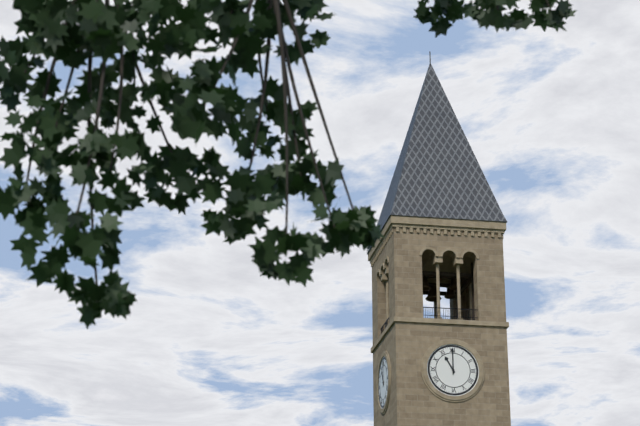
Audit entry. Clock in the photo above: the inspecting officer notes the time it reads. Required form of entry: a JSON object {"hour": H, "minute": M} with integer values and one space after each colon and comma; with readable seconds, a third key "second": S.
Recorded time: {"hour": 11, "minute": 0}
